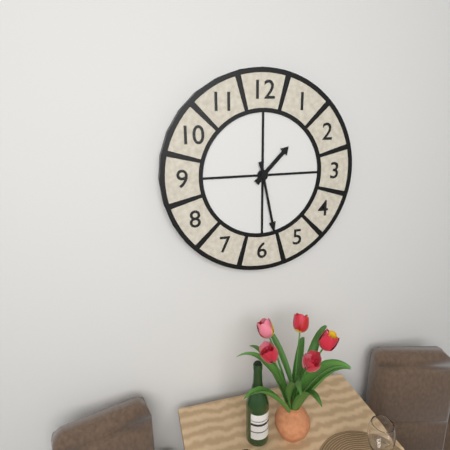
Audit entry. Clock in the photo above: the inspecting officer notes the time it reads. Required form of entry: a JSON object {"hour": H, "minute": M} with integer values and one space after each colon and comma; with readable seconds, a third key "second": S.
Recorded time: {"hour": 1, "minute": 28}
